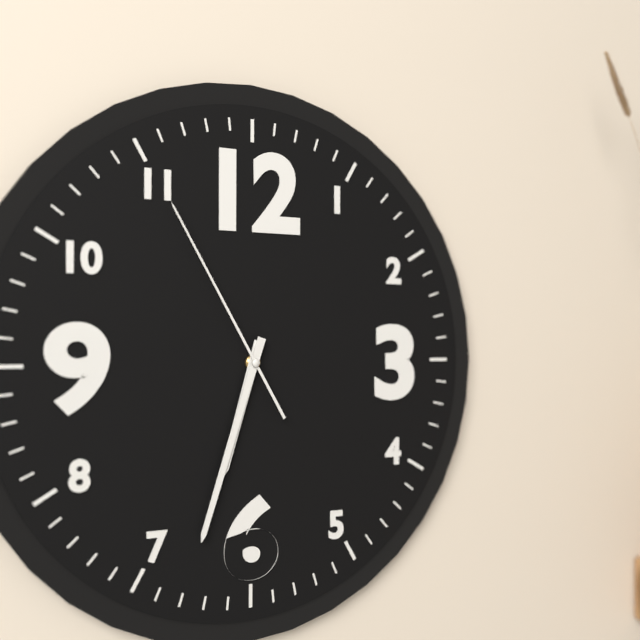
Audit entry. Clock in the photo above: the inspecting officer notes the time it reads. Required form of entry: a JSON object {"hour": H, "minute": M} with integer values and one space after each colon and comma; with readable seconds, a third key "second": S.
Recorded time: {"hour": 6, "minute": 33, "second": 55}
